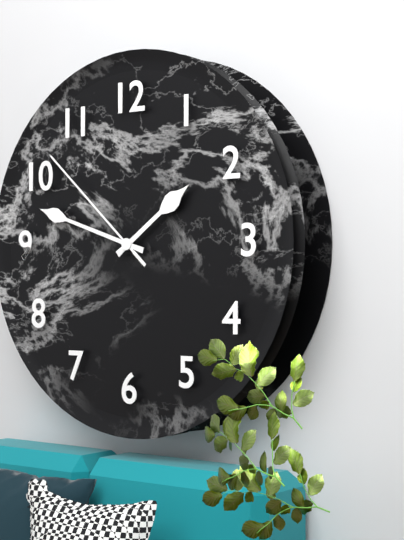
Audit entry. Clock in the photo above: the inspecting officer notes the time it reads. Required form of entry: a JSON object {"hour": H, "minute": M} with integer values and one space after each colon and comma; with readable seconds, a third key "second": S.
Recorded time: {"hour": 1, "minute": 48, "second": 52}
